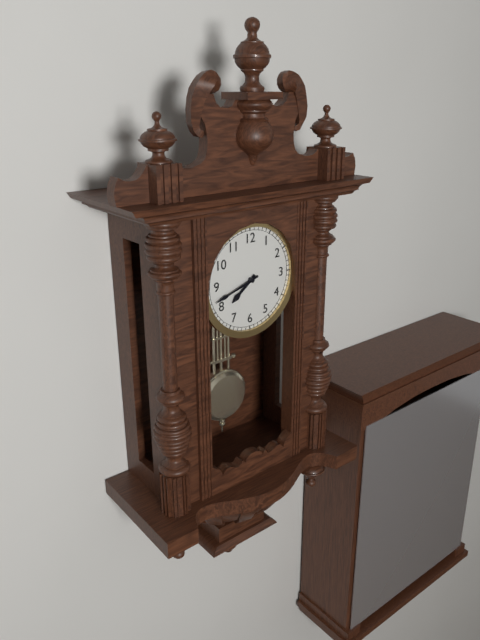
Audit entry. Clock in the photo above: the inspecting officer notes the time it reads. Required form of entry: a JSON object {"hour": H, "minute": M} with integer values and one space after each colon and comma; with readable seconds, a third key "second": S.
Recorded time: {"hour": 7, "minute": 42}
